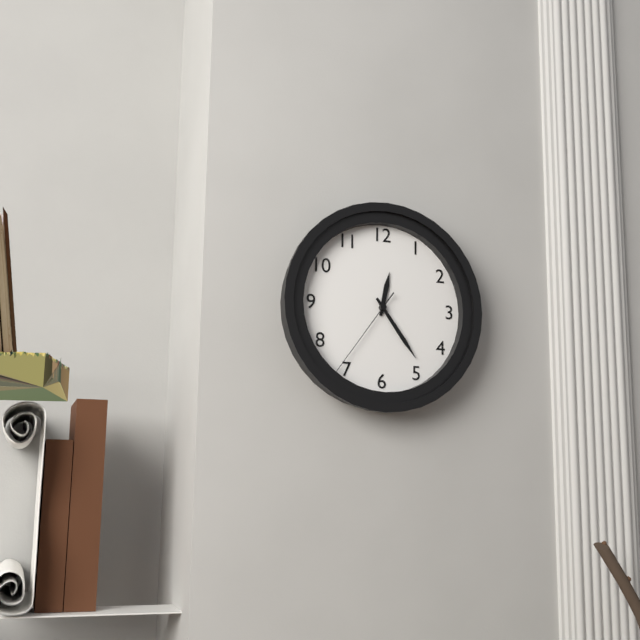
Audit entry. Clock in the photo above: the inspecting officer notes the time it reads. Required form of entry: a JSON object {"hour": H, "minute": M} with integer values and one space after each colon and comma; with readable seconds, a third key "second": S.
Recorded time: {"hour": 12, "minute": 24, "second": 36}
